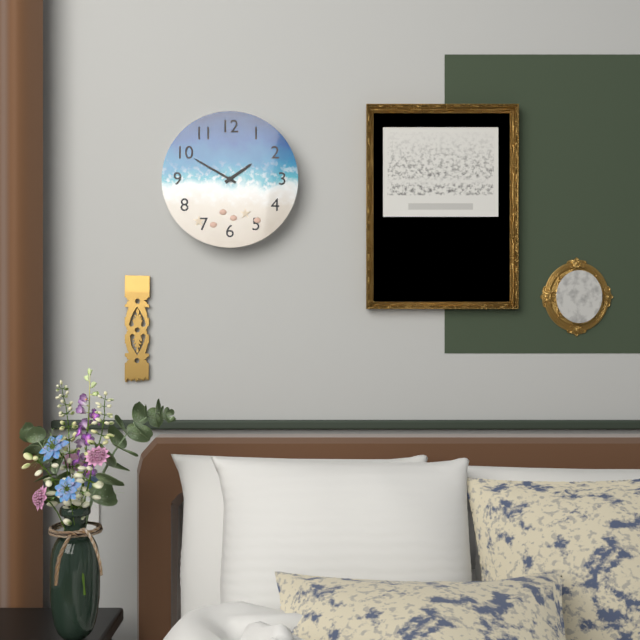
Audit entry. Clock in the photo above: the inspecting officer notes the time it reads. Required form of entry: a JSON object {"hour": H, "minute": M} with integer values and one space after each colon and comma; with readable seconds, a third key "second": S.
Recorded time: {"hour": 1, "minute": 50}
